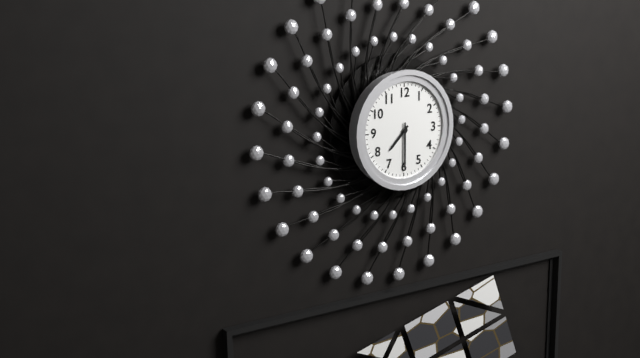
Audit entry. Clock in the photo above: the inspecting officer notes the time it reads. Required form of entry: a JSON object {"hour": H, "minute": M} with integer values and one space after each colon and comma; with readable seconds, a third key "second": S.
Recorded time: {"hour": 7, "minute": 30}
